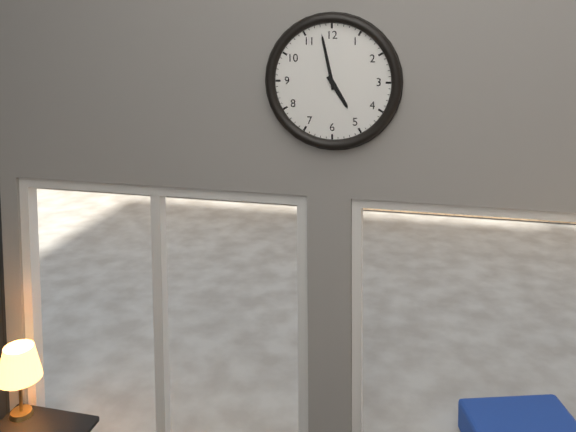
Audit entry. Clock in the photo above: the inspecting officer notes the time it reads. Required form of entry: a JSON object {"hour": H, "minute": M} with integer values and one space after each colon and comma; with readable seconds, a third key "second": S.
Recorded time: {"hour": 4, "minute": 58}
